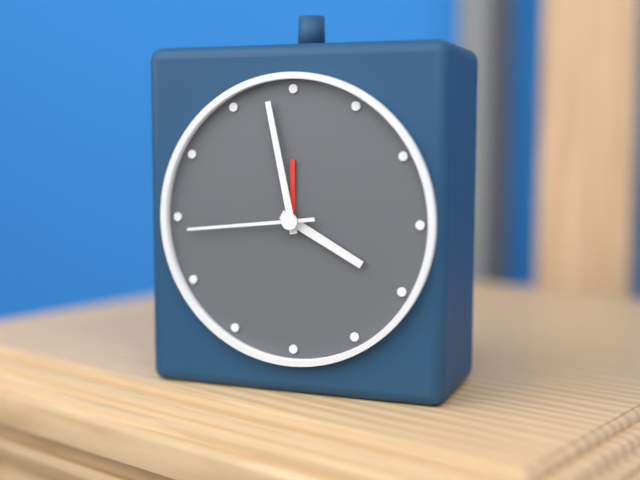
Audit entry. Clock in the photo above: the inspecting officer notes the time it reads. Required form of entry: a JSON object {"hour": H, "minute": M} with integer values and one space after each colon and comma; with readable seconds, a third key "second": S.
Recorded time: {"hour": 3, "minute": 58, "second": 44}
